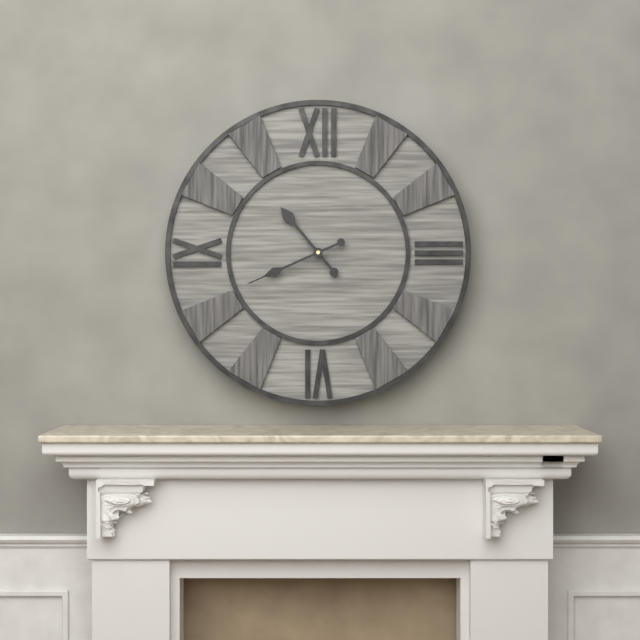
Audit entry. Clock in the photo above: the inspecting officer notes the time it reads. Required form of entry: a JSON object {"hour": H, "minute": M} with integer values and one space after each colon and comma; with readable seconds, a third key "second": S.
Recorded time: {"hour": 10, "minute": 41}
